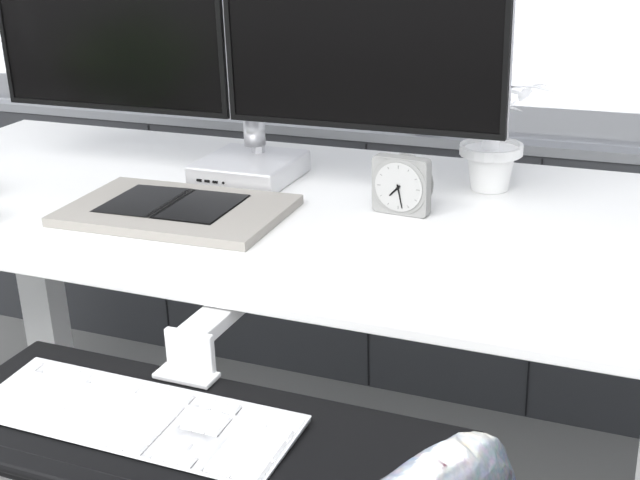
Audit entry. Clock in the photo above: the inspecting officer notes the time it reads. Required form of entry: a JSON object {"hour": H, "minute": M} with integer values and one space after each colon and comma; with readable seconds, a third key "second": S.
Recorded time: {"hour": 7, "minute": 28}
